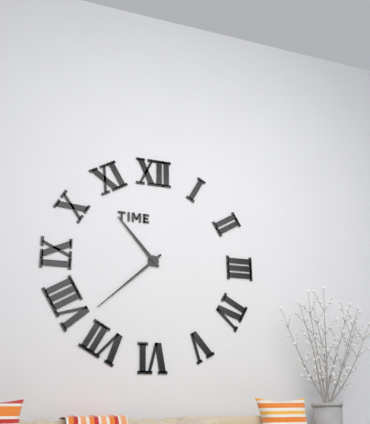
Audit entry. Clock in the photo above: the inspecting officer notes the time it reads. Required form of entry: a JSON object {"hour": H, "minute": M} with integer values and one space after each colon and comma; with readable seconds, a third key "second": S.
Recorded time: {"hour": 10, "minute": 38}
